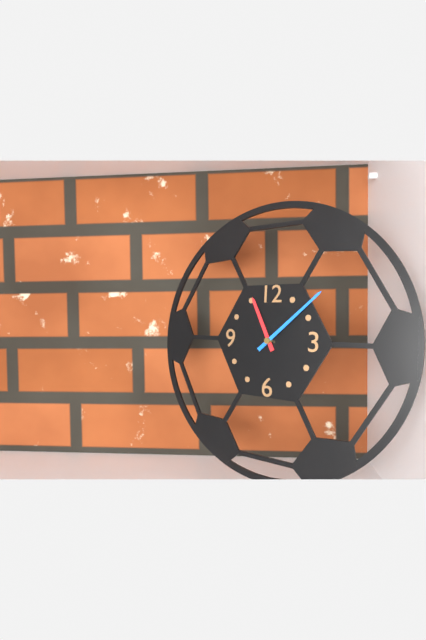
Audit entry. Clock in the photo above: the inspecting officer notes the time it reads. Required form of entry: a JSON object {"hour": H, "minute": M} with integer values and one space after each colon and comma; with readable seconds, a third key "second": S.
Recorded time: {"hour": 11, "minute": 8}
